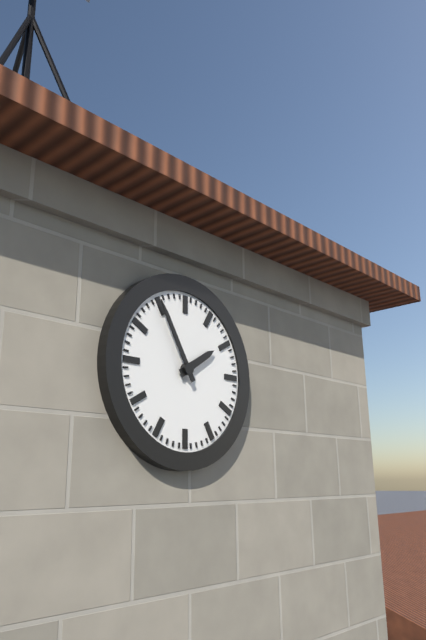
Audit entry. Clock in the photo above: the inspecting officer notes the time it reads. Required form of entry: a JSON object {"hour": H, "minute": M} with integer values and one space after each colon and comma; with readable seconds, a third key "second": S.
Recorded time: {"hour": 1, "minute": 55}
